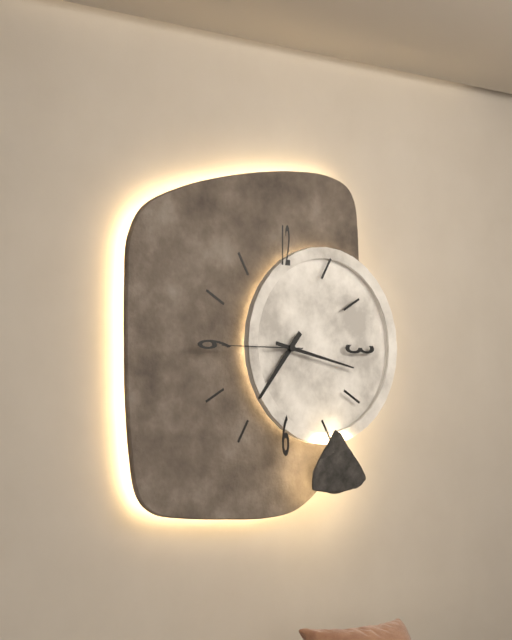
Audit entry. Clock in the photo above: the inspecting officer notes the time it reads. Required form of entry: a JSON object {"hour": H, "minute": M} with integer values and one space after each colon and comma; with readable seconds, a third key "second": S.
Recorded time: {"hour": 7, "minute": 17, "second": 45}
